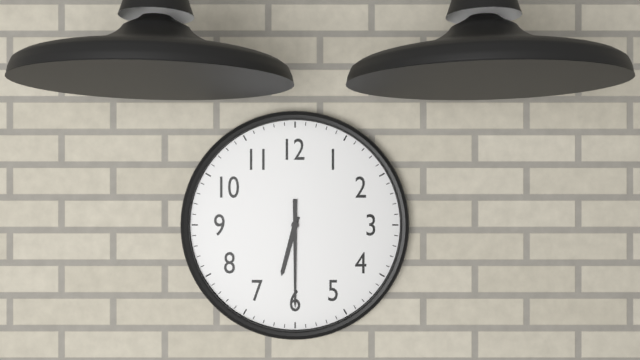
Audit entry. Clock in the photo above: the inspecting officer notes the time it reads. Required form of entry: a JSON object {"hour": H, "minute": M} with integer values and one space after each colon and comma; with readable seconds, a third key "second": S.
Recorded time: {"hour": 6, "minute": 30}
